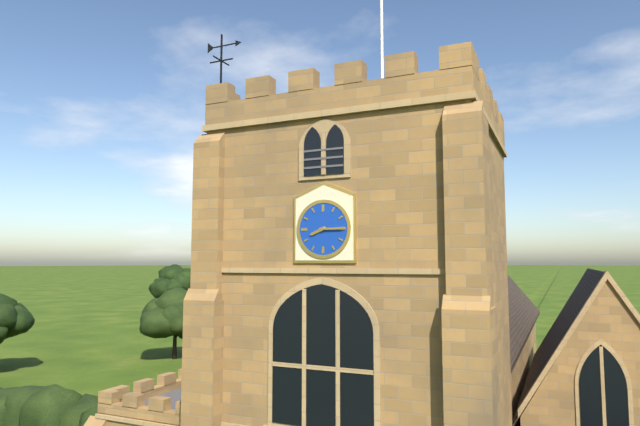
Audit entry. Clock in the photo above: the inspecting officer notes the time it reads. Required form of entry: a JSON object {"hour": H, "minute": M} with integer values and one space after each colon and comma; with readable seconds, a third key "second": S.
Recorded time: {"hour": 8, "minute": 15}
